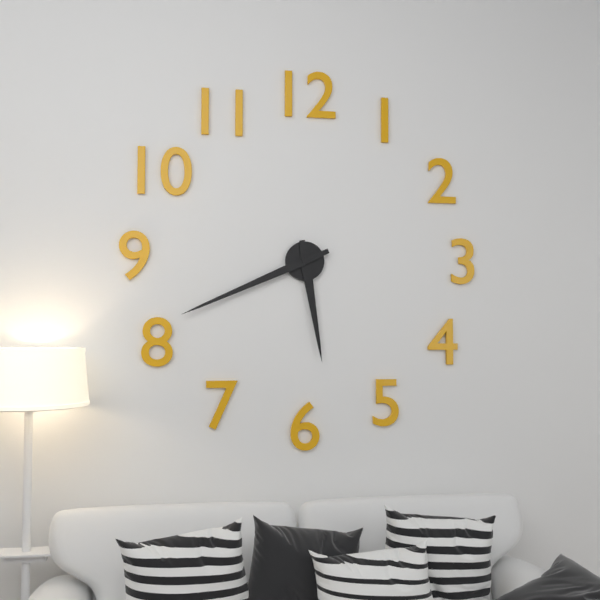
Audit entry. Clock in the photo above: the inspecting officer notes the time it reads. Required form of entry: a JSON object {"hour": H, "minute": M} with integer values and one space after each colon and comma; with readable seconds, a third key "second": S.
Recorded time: {"hour": 5, "minute": 41}
